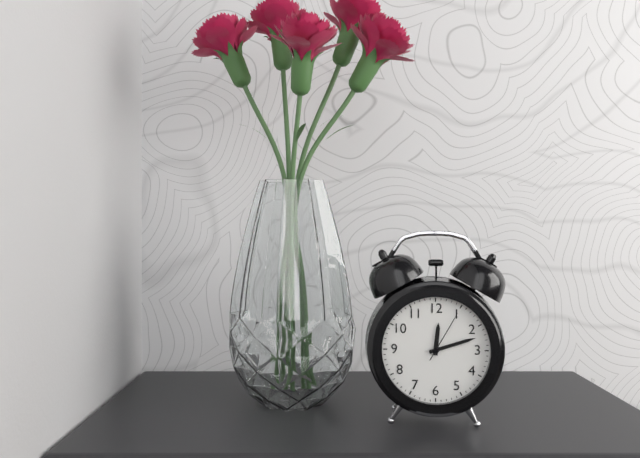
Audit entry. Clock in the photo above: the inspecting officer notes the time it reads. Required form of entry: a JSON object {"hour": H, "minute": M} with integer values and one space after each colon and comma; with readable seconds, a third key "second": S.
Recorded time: {"hour": 12, "minute": 12, "second": 5}
